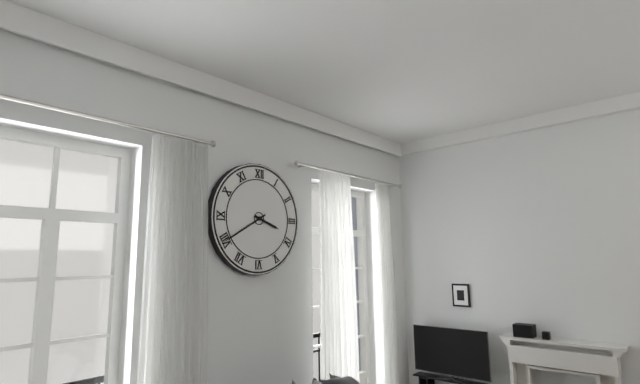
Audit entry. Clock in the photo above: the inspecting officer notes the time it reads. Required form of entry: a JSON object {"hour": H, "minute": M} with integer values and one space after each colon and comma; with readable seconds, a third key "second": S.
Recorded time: {"hour": 3, "minute": 40}
